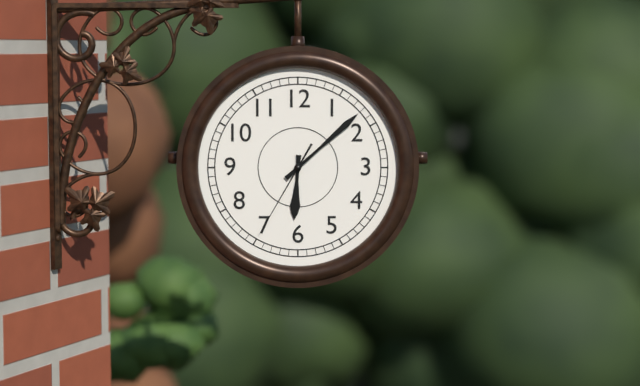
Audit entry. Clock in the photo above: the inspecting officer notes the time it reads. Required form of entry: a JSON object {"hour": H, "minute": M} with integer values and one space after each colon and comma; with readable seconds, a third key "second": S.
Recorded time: {"hour": 6, "minute": 8, "second": 35}
